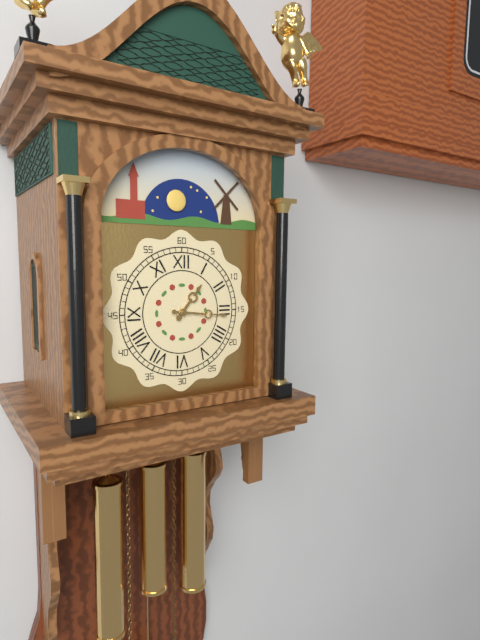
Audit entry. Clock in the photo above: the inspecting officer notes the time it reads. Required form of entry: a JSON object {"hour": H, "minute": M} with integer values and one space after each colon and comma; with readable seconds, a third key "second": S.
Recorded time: {"hour": 1, "minute": 16}
